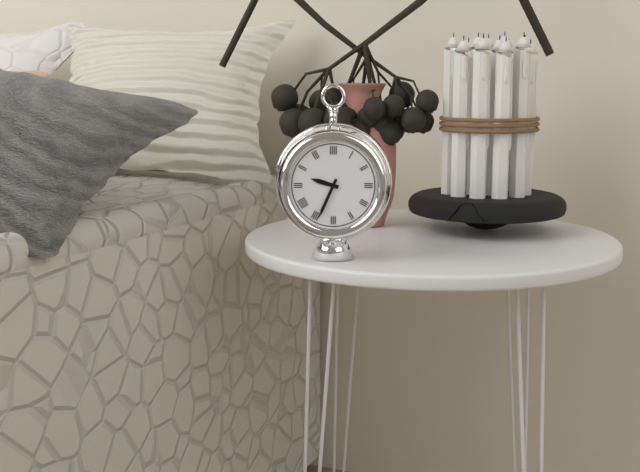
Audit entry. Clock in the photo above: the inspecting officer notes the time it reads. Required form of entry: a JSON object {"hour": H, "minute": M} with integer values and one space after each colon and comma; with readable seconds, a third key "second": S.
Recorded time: {"hour": 9, "minute": 34}
